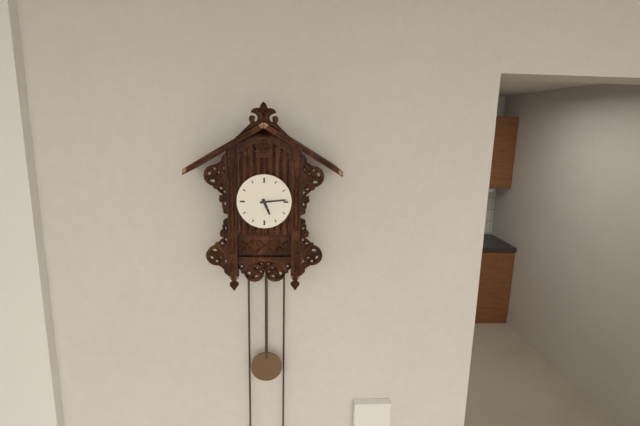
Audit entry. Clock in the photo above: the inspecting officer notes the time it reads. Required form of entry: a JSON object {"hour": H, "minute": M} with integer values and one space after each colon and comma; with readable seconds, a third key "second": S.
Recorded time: {"hour": 5, "minute": 14}
